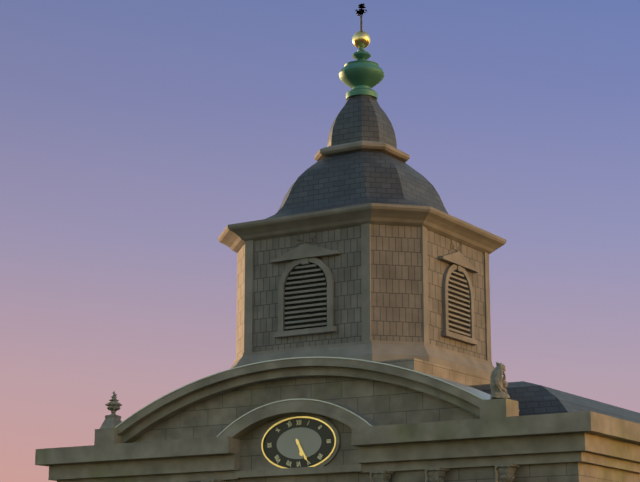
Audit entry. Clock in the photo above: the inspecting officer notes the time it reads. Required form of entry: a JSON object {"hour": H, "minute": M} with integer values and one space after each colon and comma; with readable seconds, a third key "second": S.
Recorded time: {"hour": 5, "minute": 25}
